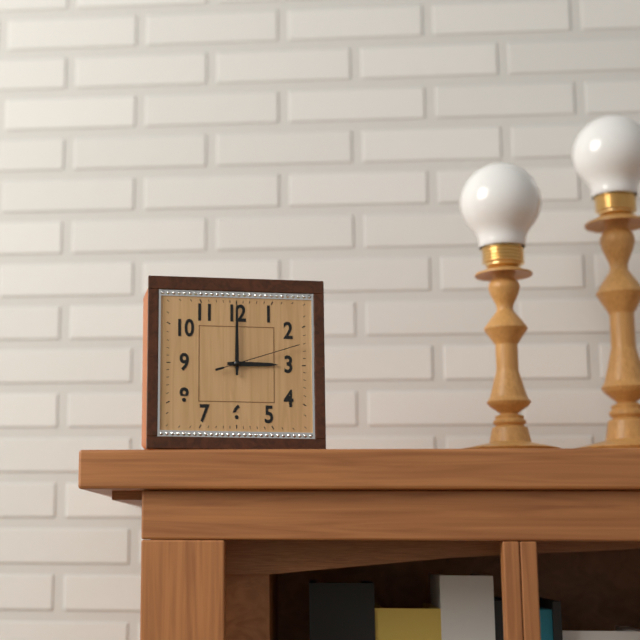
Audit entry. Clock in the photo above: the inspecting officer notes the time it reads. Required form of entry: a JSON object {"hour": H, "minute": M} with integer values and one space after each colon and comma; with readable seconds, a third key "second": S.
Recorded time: {"hour": 3, "minute": 0, "second": 12}
